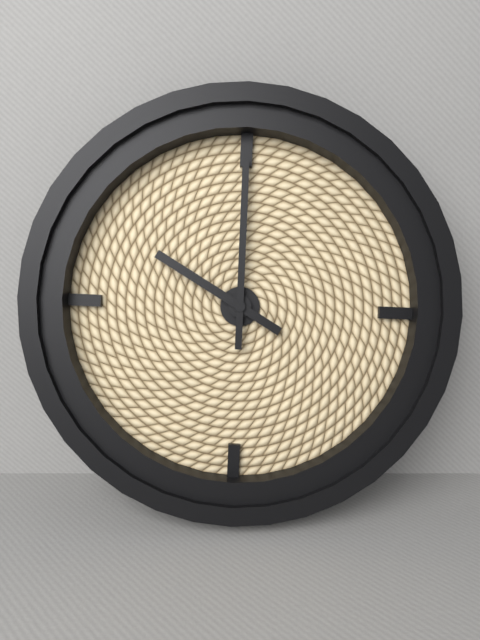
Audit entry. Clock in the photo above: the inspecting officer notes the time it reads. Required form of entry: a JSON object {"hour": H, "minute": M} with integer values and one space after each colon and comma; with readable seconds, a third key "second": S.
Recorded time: {"hour": 10, "minute": 0}
